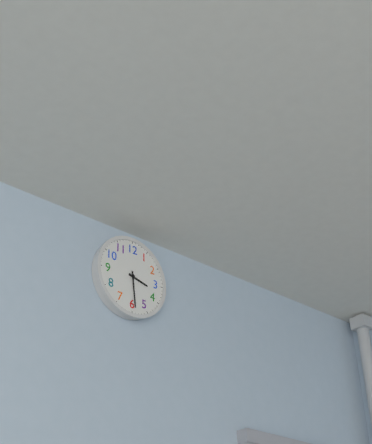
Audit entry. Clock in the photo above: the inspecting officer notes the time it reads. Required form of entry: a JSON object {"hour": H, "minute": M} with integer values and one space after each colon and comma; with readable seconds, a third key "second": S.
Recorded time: {"hour": 3, "minute": 29}
